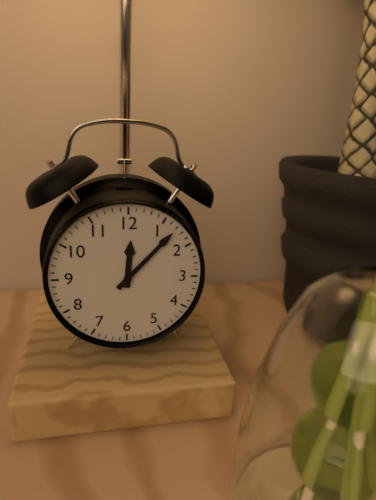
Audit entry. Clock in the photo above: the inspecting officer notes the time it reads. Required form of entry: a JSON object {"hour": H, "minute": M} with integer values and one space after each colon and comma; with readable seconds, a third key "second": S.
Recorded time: {"hour": 12, "minute": 7}
